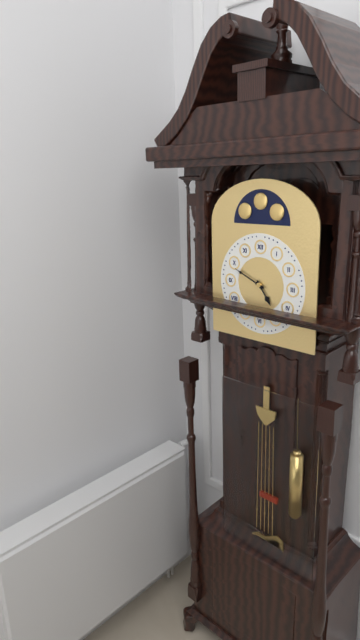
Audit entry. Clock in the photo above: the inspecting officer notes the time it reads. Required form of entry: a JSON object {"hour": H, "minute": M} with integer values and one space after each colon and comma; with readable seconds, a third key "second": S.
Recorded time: {"hour": 4, "minute": 49}
